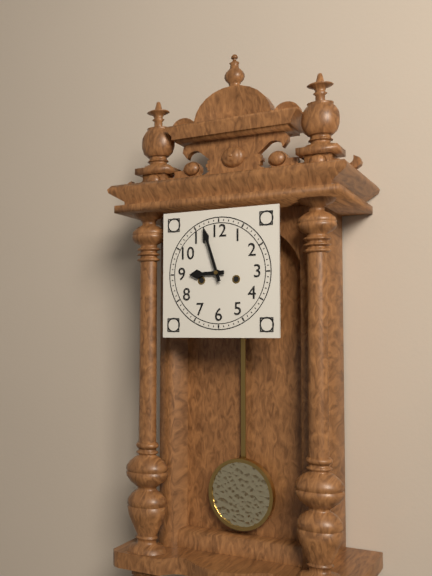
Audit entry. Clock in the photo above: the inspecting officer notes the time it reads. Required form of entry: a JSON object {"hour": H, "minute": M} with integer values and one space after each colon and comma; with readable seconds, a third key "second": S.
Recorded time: {"hour": 8, "minute": 57}
